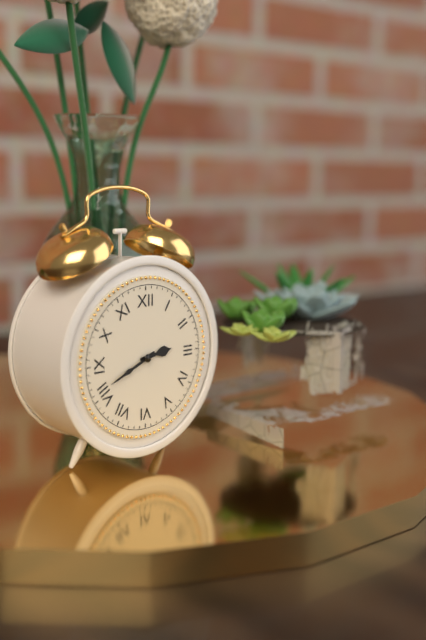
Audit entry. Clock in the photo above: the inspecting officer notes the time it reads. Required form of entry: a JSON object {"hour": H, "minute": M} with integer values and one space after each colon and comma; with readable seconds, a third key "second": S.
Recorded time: {"hour": 2, "minute": 41}
